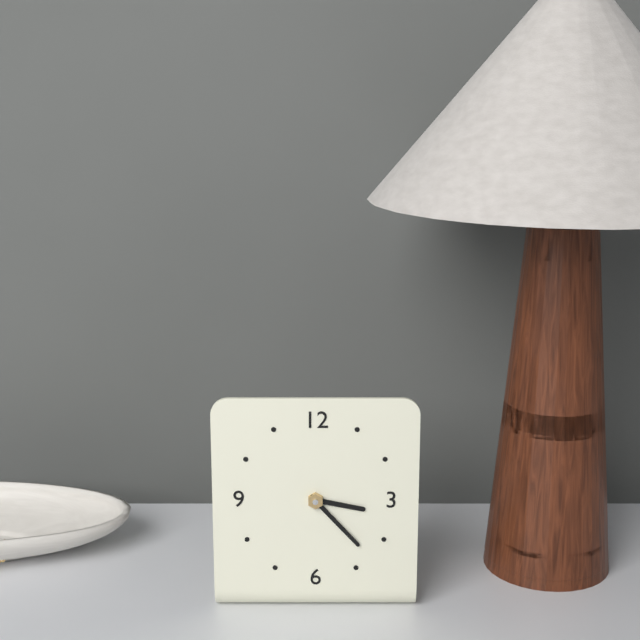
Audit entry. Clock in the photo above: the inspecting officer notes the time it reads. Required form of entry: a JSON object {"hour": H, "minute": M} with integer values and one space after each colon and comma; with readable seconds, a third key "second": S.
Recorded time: {"hour": 3, "minute": 23}
